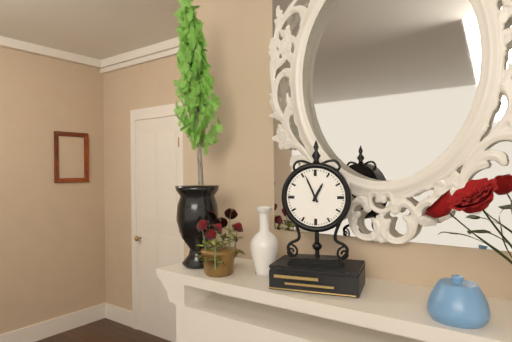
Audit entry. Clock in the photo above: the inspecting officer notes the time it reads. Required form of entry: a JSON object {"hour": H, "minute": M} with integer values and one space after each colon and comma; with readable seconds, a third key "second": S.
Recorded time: {"hour": 12, "minute": 56}
